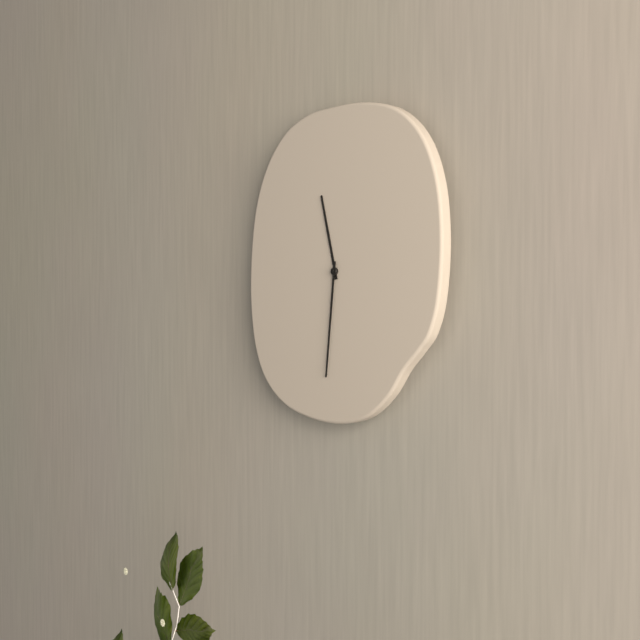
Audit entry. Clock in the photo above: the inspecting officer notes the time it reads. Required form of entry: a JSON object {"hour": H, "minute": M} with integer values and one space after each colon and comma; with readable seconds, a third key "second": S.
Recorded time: {"hour": 11, "minute": 31}
